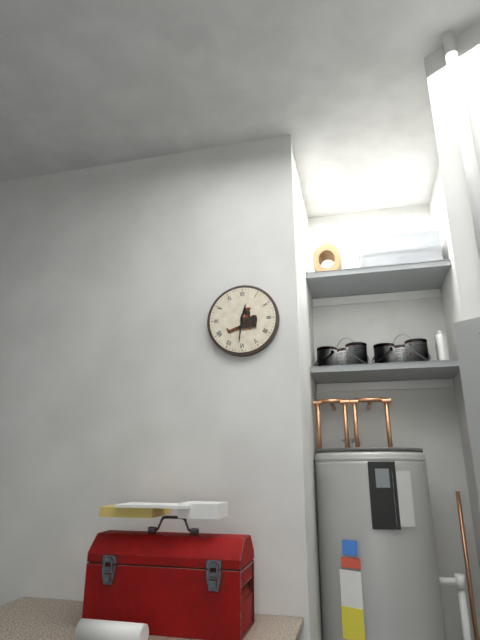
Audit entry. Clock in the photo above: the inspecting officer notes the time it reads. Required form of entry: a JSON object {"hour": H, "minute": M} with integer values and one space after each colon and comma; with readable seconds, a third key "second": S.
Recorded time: {"hour": 12, "minute": 31}
